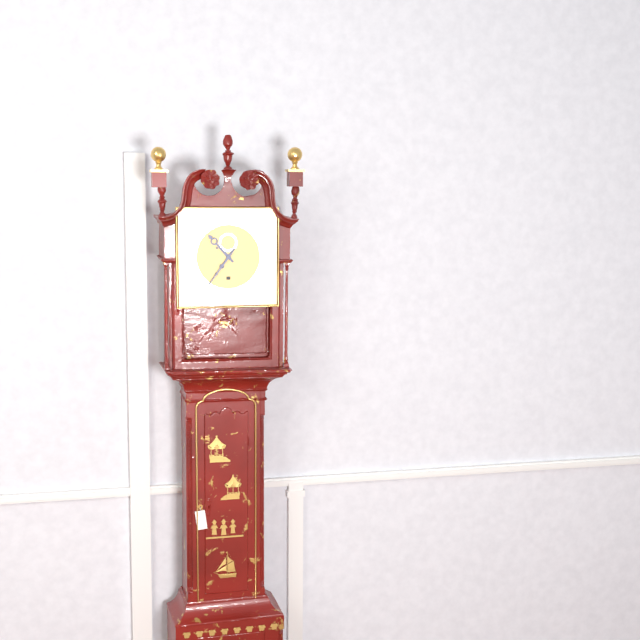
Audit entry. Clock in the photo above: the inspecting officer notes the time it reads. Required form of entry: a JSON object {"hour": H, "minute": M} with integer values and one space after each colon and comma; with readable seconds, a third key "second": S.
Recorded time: {"hour": 10, "minute": 36}
